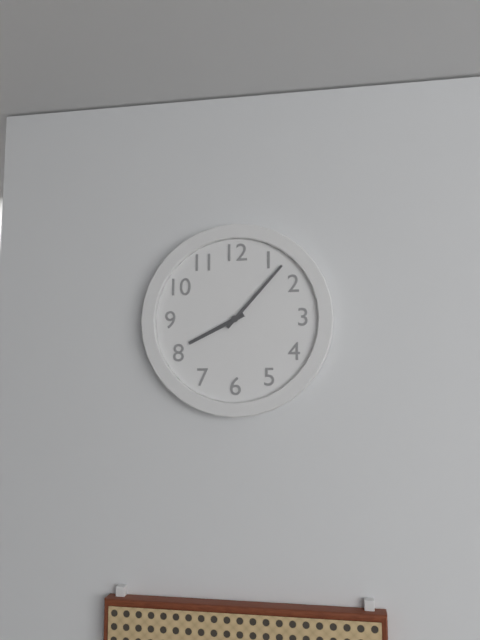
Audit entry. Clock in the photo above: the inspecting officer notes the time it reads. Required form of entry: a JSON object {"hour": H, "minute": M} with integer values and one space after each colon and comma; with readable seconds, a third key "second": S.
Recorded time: {"hour": 8, "minute": 7}
